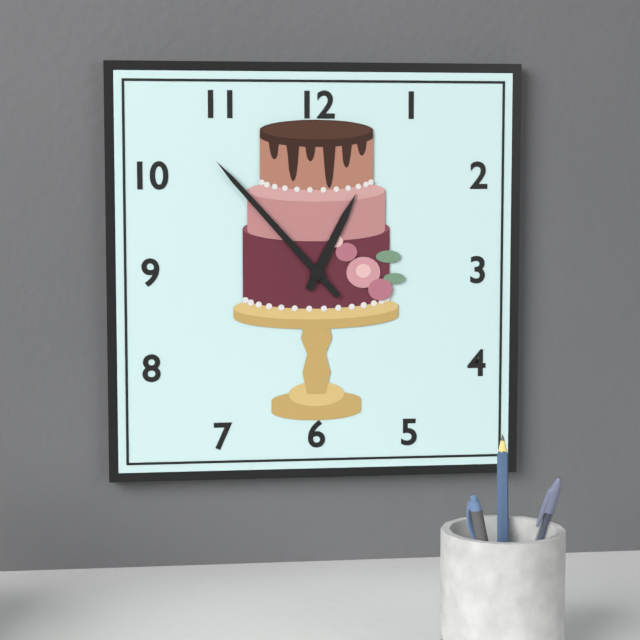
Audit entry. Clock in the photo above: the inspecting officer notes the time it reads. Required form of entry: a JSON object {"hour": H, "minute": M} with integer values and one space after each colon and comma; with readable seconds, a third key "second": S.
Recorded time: {"hour": 12, "minute": 53}
